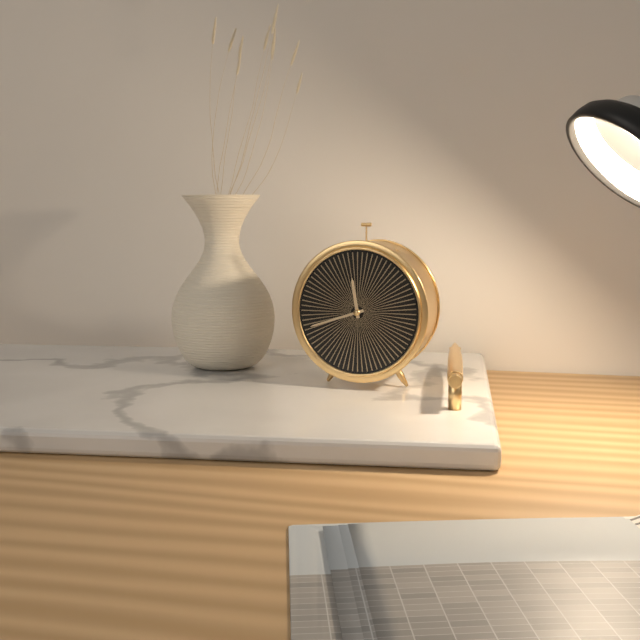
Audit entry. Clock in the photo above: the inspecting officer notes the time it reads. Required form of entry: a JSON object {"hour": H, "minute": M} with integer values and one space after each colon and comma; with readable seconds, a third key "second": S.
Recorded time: {"hour": 11, "minute": 42}
